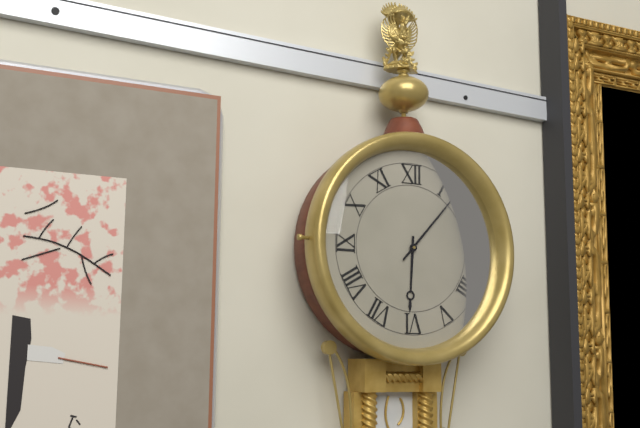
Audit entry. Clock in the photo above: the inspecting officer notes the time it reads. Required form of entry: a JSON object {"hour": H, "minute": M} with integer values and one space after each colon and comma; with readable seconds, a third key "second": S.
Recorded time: {"hour": 6, "minute": 7}
